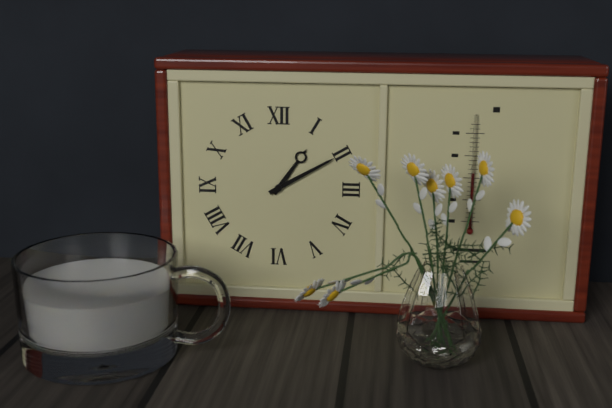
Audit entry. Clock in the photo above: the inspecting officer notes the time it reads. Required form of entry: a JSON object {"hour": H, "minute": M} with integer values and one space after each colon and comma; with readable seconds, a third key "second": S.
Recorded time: {"hour": 1, "minute": 10}
